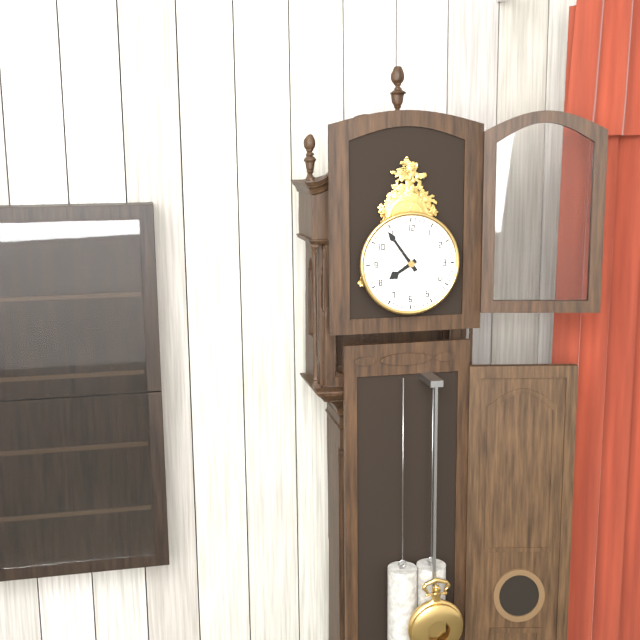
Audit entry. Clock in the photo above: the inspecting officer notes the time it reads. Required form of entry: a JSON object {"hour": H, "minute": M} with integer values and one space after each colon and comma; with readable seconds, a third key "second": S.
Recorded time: {"hour": 7, "minute": 54}
